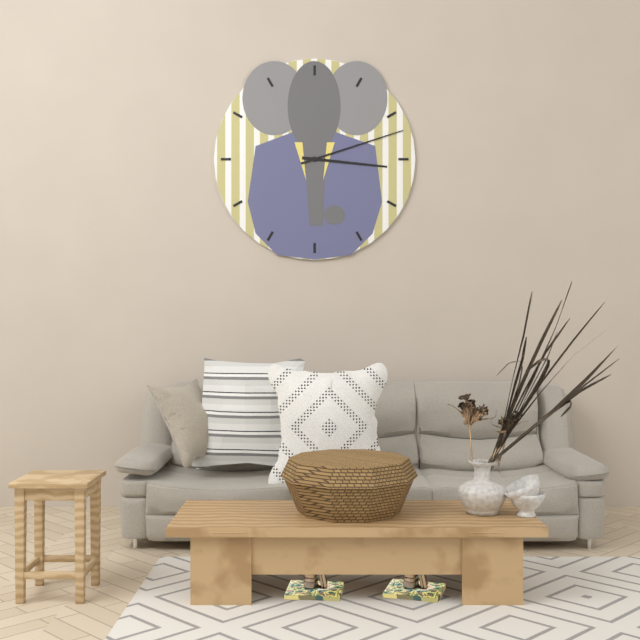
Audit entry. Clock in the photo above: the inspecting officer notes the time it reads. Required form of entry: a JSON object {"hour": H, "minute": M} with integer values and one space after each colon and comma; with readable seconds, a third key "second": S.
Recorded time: {"hour": 3, "minute": 12}
